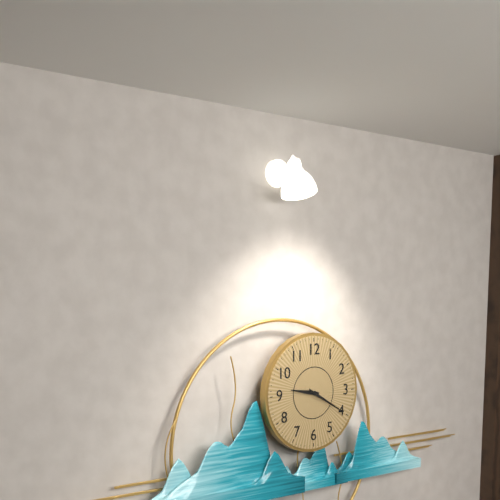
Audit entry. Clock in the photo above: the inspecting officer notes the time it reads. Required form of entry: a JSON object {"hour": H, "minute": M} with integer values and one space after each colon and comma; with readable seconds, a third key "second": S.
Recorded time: {"hour": 9, "minute": 20}
